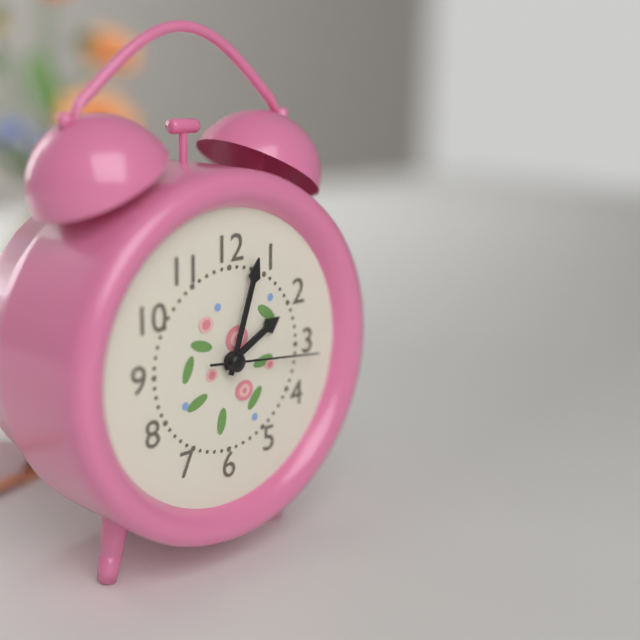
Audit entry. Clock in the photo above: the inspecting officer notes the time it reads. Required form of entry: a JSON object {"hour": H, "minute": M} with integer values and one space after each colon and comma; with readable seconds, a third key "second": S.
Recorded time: {"hour": 2, "minute": 3, "second": 16}
